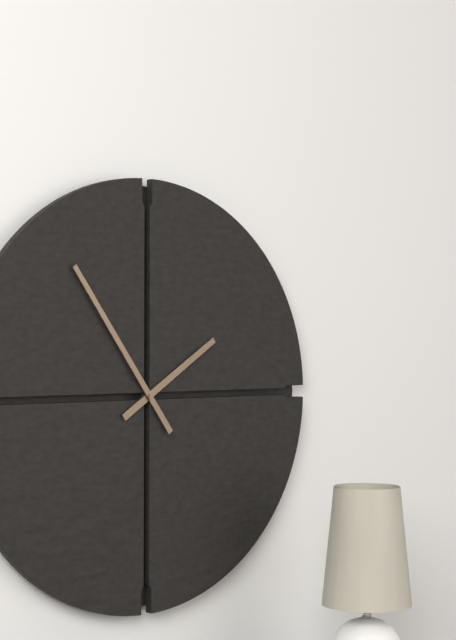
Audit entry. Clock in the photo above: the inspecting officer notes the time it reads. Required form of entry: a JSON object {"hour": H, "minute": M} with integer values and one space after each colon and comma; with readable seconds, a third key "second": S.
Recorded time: {"hour": 1, "minute": 54}
